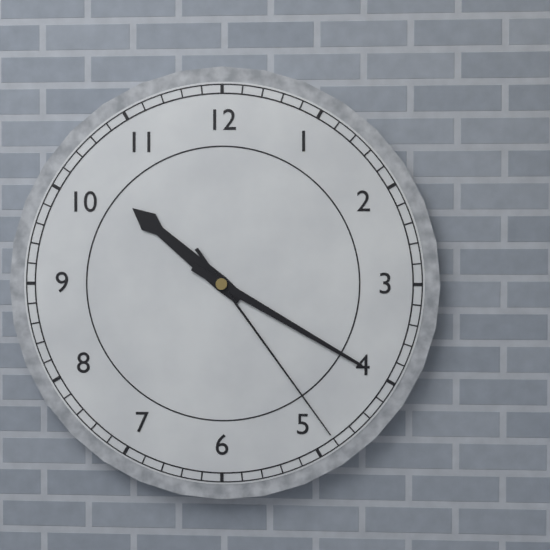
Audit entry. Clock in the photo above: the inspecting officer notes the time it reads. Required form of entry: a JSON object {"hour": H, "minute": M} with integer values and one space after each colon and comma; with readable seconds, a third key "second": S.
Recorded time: {"hour": 10, "minute": 20, "second": 24}
